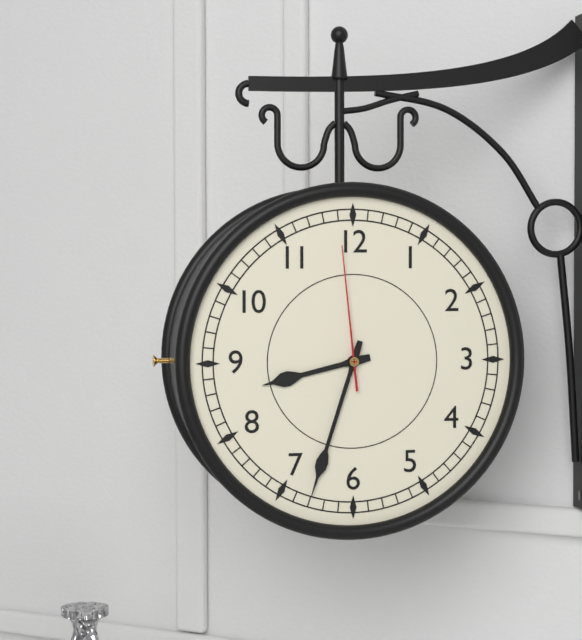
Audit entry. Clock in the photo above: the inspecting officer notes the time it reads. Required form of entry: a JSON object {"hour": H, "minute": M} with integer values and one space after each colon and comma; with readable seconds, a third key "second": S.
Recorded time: {"hour": 8, "minute": 33, "second": 59}
